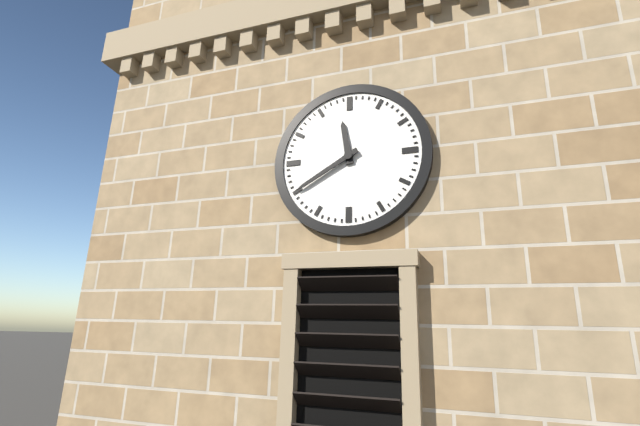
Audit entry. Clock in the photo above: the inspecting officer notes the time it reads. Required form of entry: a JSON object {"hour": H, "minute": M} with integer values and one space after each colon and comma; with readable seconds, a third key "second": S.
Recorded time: {"hour": 11, "minute": 40}
